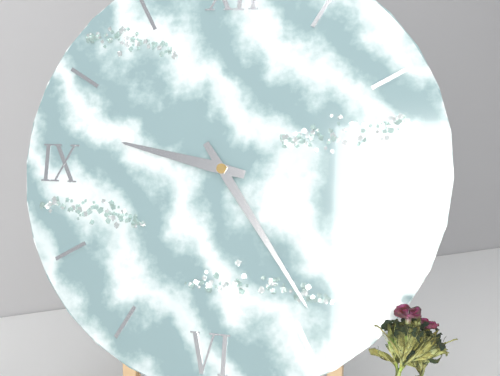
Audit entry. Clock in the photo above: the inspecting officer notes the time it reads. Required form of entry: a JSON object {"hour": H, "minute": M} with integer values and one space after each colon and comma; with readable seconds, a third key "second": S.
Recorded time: {"hour": 9, "minute": 24}
